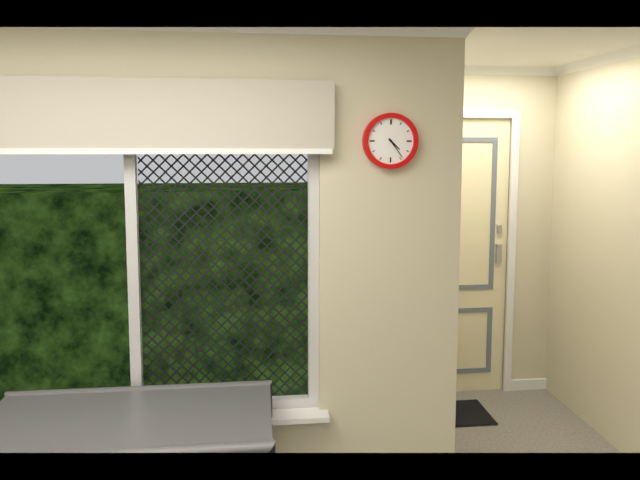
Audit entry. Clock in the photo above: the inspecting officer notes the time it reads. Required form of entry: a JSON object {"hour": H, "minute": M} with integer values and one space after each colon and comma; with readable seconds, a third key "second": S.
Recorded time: {"hour": 4, "minute": 24}
